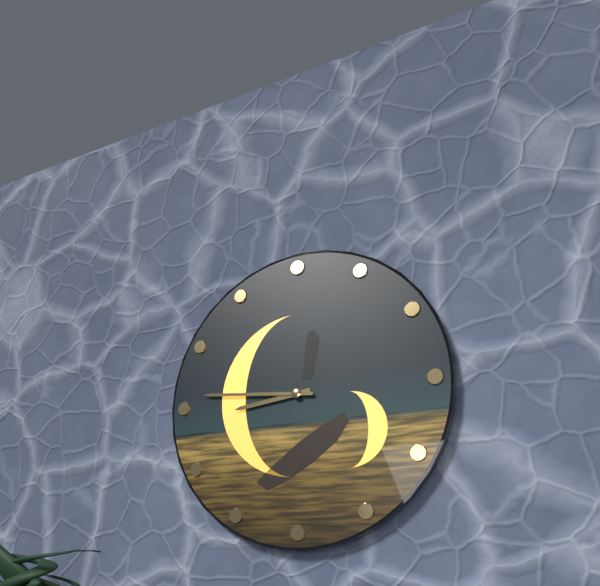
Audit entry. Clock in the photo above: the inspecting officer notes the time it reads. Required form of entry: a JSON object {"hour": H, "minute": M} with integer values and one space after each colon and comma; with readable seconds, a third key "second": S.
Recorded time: {"hour": 8, "minute": 46}
